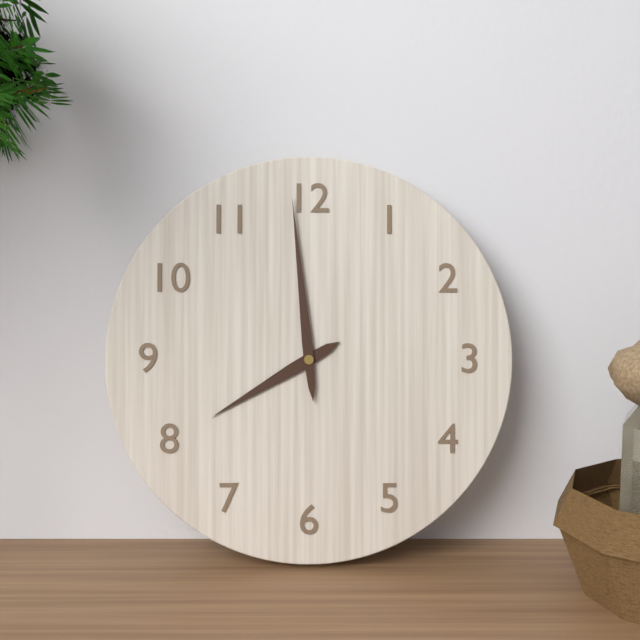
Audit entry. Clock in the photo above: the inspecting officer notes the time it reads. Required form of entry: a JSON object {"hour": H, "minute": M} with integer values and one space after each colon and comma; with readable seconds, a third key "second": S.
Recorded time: {"hour": 7, "minute": 59}
